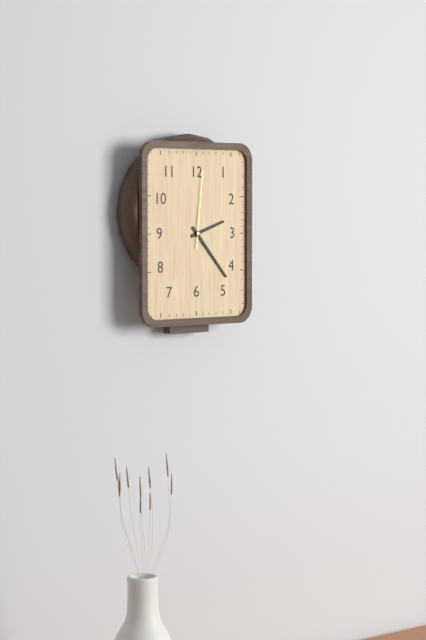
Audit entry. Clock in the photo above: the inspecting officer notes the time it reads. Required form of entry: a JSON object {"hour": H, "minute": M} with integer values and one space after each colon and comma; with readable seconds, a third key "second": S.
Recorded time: {"hour": 2, "minute": 23, "second": 1}
